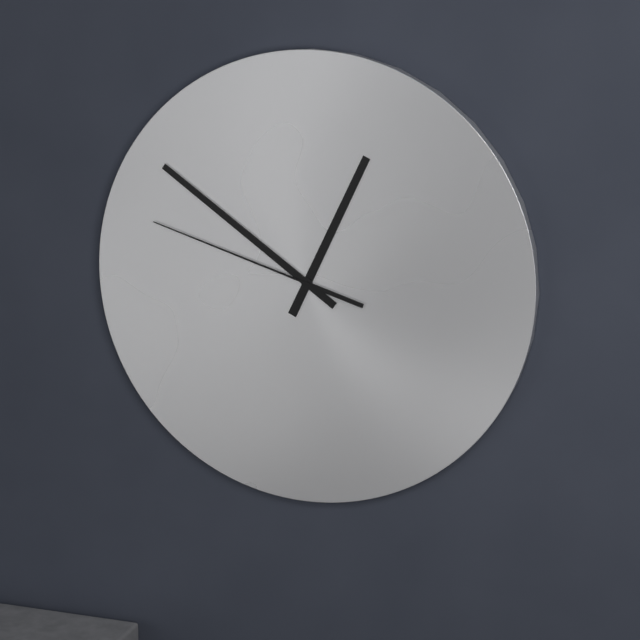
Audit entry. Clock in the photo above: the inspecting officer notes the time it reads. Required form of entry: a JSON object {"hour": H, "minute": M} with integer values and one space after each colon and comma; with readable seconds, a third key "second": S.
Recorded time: {"hour": 12, "minute": 51, "second": 48}
